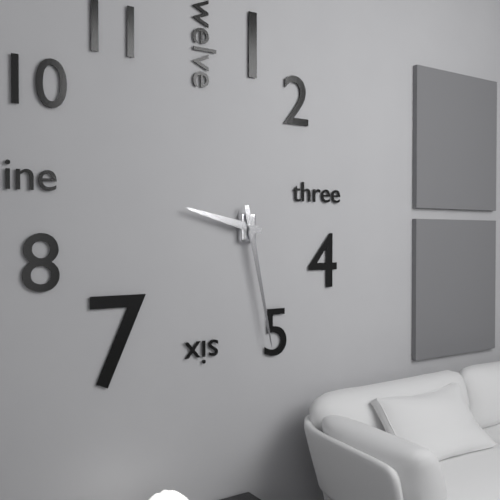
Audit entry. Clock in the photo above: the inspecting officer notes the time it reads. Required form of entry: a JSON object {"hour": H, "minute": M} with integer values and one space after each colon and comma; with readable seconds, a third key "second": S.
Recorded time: {"hour": 9, "minute": 28}
